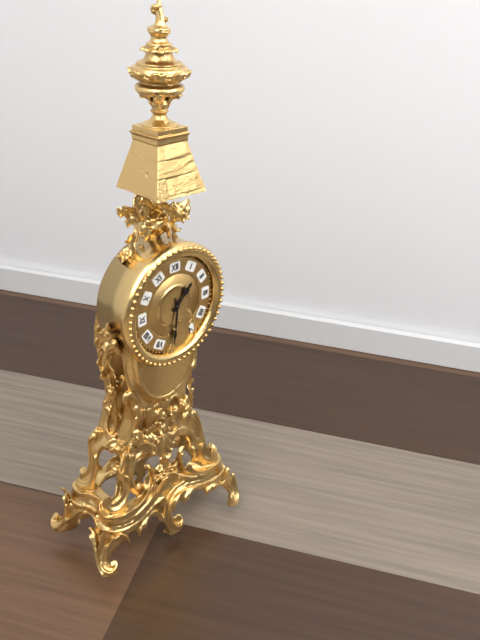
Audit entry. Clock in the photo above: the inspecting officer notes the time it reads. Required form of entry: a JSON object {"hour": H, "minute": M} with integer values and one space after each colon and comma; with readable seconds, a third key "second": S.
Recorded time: {"hour": 1, "minute": 31}
